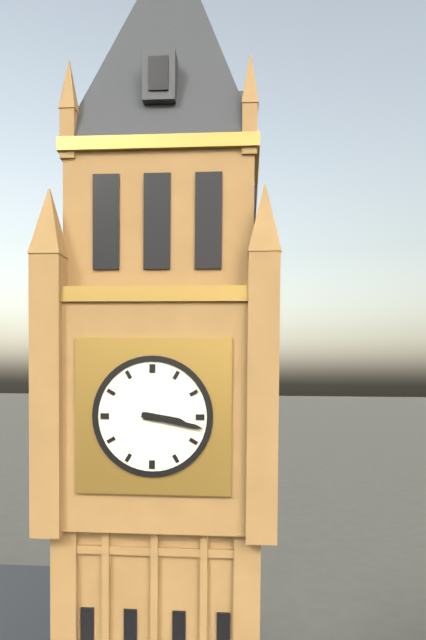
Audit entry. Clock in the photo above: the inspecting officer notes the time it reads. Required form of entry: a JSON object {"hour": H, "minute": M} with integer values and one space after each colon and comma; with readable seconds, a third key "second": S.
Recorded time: {"hour": 3, "minute": 17}
